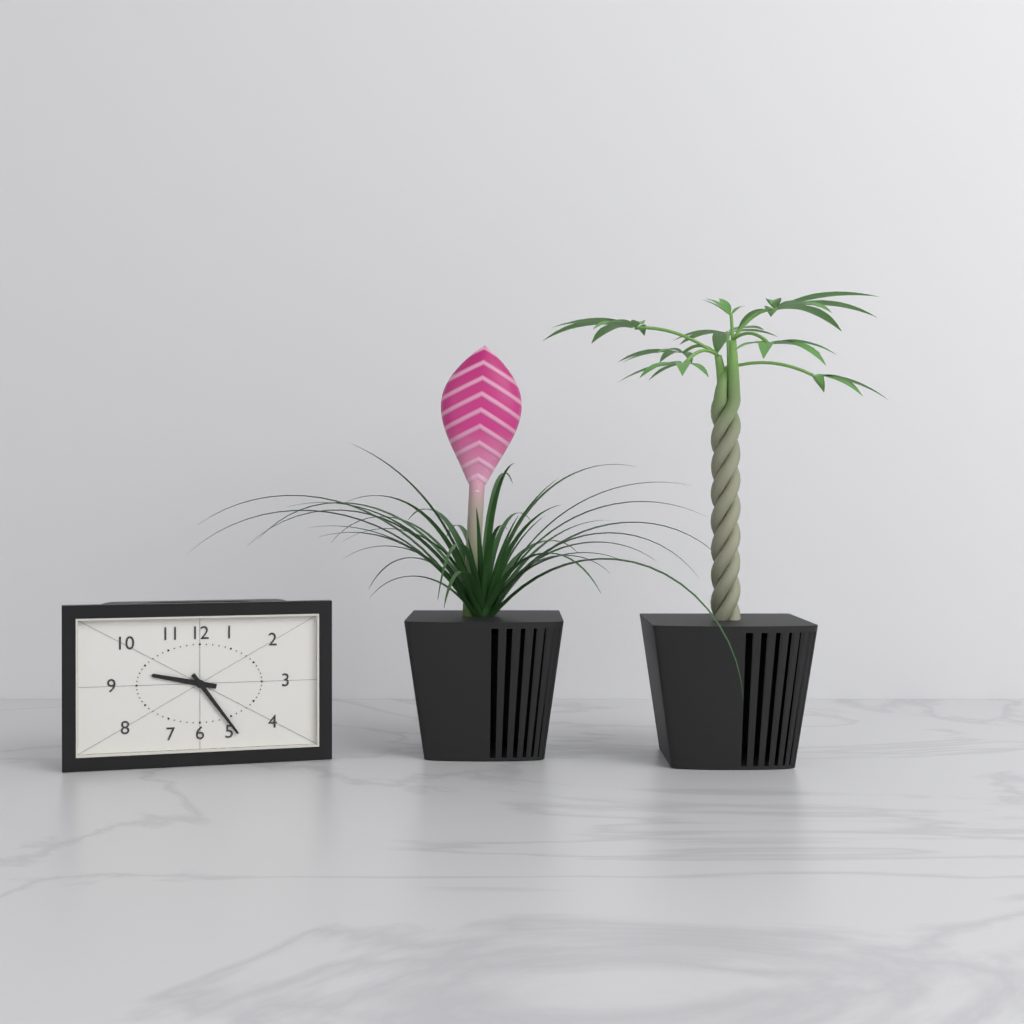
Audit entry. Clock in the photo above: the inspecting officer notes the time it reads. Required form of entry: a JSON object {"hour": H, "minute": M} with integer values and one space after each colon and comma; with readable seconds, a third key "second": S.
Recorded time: {"hour": 9, "minute": 24}
